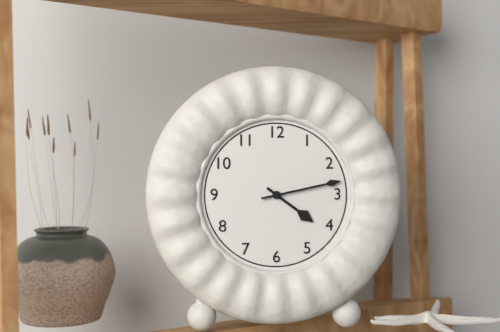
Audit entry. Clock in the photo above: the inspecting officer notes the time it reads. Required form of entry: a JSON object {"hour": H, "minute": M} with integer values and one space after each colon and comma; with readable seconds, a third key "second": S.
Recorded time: {"hour": 4, "minute": 13}
